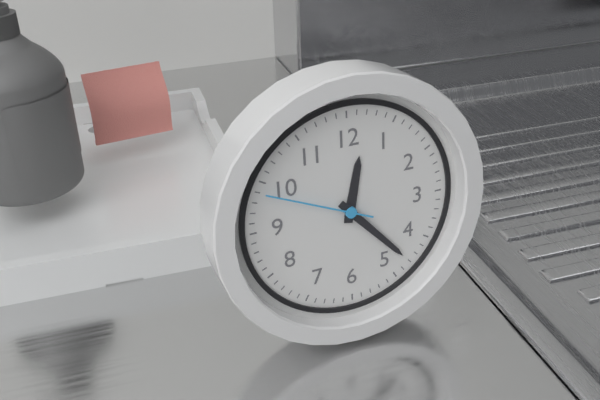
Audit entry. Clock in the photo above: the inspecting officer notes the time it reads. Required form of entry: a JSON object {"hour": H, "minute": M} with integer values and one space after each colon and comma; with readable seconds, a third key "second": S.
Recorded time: {"hour": 12, "minute": 23, "second": 49}
